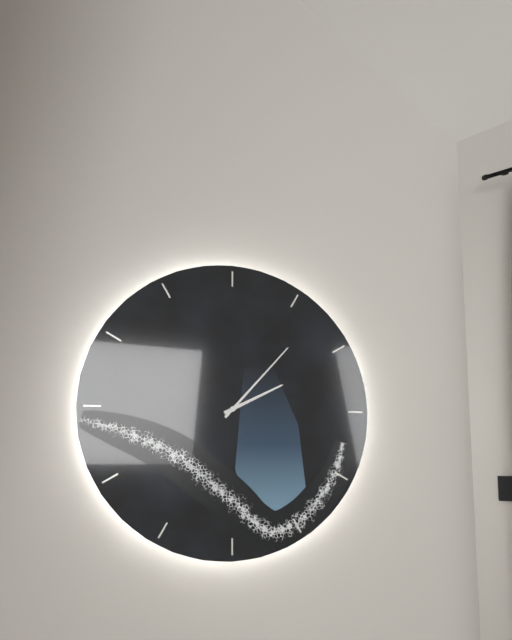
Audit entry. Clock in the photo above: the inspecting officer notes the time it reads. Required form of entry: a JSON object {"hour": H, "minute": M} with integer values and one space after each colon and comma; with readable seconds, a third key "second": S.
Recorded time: {"hour": 2, "minute": 7}
